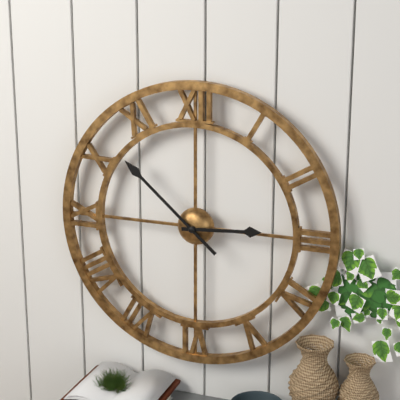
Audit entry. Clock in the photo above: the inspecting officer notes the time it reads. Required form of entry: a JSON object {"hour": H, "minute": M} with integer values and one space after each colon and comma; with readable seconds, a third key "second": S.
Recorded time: {"hour": 2, "minute": 52}
